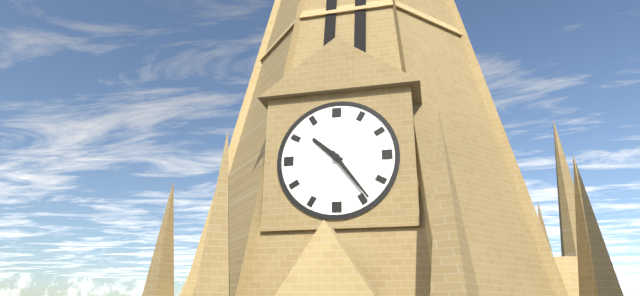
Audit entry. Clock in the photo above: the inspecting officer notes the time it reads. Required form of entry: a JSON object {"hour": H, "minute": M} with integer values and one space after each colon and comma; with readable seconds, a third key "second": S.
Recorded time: {"hour": 10, "minute": 24}
